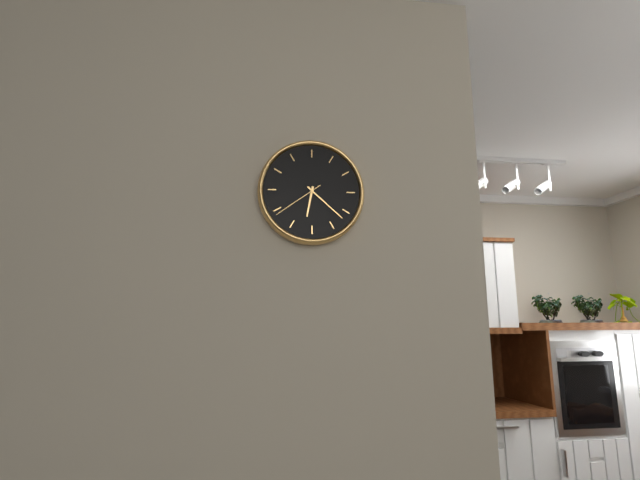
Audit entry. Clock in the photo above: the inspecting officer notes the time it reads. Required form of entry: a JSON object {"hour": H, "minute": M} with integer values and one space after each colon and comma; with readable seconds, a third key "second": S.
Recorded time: {"hour": 6, "minute": 22}
